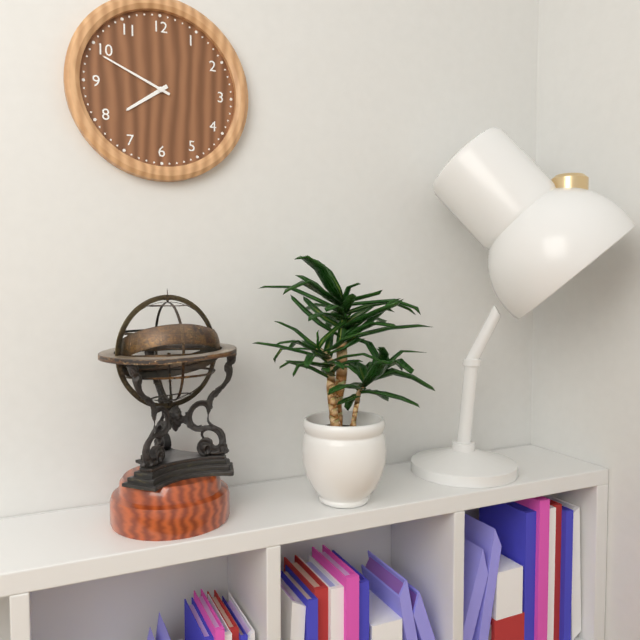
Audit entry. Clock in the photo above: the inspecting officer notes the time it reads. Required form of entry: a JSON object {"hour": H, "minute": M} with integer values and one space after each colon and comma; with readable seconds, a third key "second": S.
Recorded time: {"hour": 7, "minute": 49}
